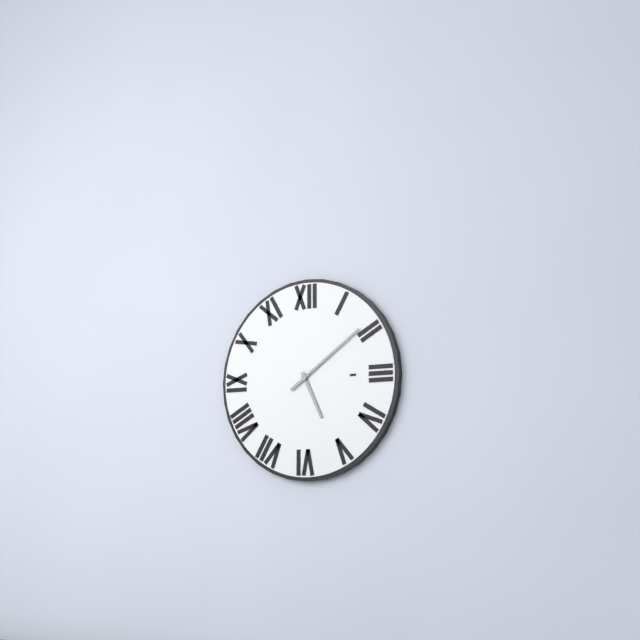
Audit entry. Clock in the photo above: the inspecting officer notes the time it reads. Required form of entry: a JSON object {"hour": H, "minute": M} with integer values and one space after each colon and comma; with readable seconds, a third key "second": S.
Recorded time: {"hour": 5, "minute": 9}
